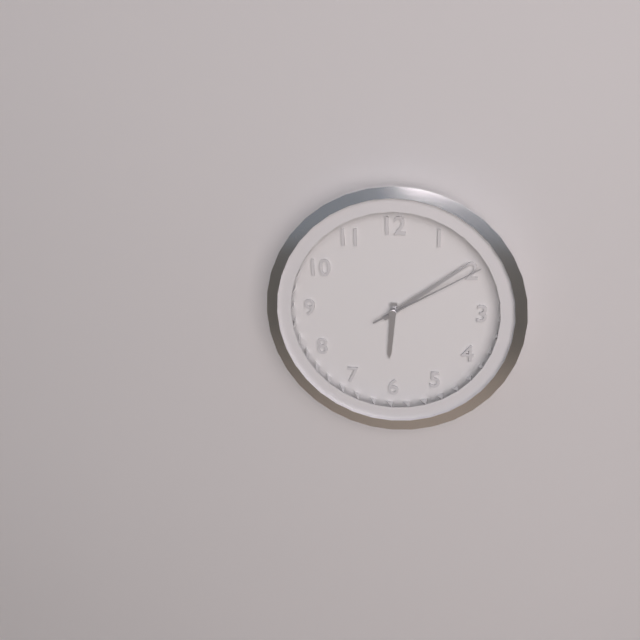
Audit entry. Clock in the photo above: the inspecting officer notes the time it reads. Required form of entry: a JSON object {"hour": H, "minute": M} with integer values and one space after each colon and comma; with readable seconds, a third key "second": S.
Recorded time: {"hour": 6, "minute": 9, "second": 10}
